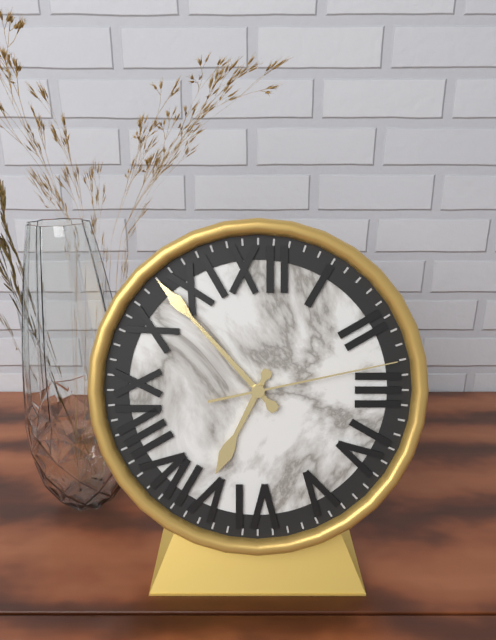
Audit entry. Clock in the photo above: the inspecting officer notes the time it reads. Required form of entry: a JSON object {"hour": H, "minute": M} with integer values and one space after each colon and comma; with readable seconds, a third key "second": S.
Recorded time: {"hour": 6, "minute": 53, "second": 13}
